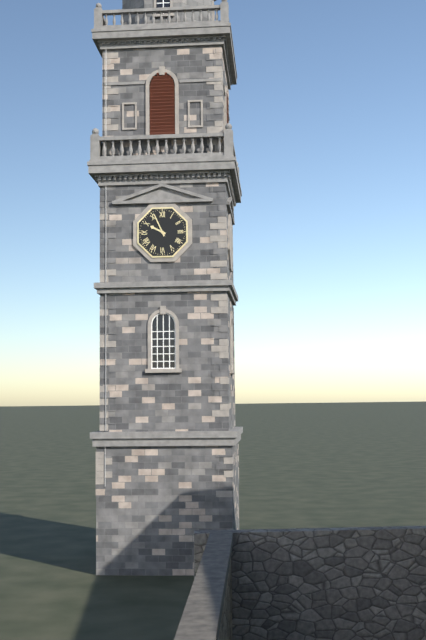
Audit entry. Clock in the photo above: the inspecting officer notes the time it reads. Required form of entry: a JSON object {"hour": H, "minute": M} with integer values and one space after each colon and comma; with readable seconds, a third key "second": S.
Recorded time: {"hour": 9, "minute": 56}
